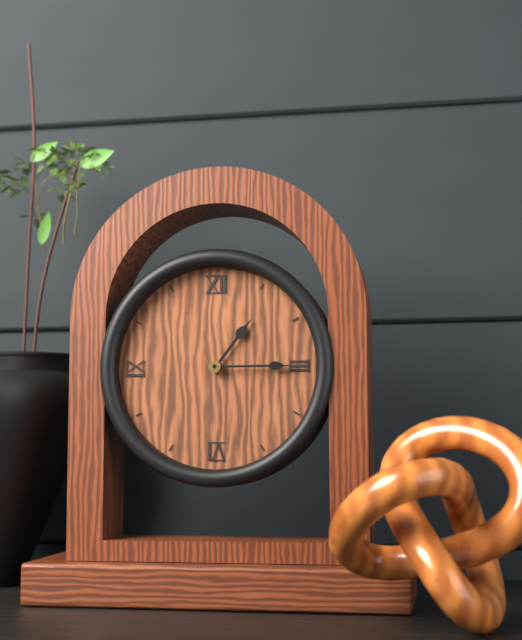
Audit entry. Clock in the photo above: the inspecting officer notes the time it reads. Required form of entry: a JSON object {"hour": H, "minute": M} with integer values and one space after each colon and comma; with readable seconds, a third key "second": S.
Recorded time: {"hour": 1, "minute": 15}
